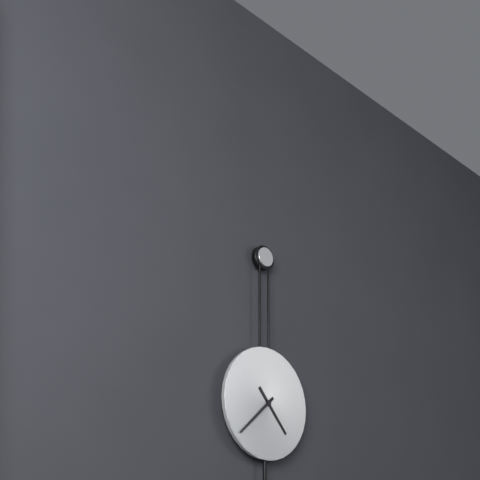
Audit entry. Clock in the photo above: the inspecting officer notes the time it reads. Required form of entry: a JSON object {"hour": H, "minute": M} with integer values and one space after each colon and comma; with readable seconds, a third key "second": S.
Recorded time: {"hour": 4, "minute": 38}
